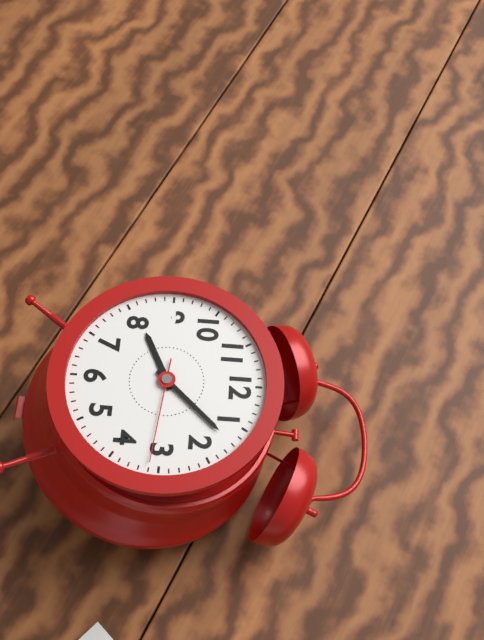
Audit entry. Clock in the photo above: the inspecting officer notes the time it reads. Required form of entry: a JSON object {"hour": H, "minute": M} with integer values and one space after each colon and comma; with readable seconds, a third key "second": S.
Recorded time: {"hour": 8, "minute": 7, "second": 16}
